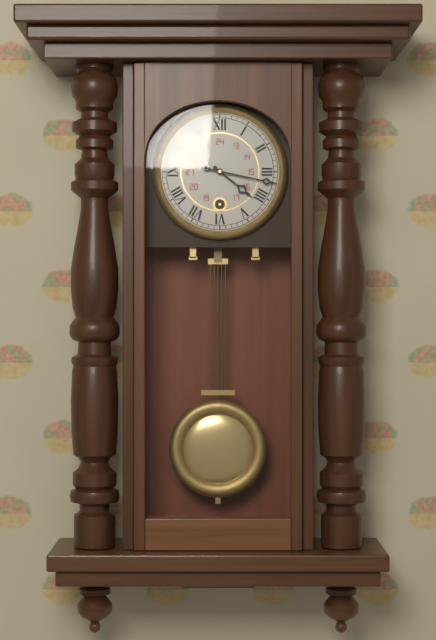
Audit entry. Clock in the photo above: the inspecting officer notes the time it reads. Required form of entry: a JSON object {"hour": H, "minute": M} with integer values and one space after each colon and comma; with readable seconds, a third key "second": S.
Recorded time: {"hour": 4, "minute": 17}
